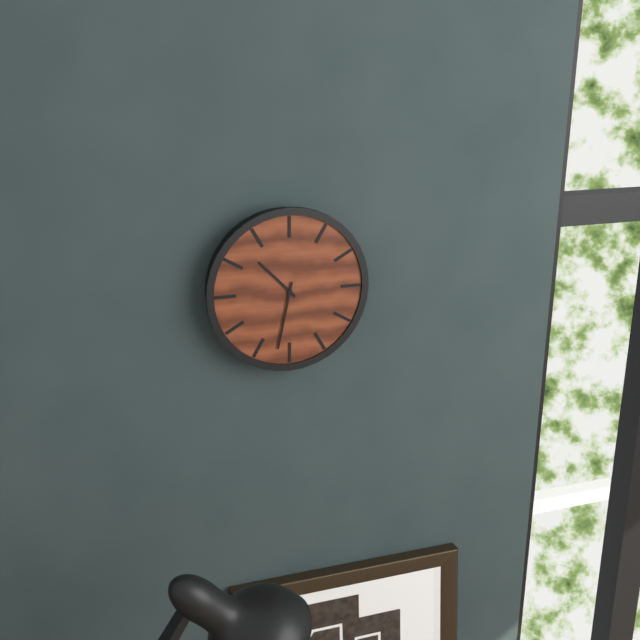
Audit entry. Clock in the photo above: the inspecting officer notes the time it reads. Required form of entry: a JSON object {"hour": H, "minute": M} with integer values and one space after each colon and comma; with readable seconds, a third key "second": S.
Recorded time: {"hour": 10, "minute": 32}
